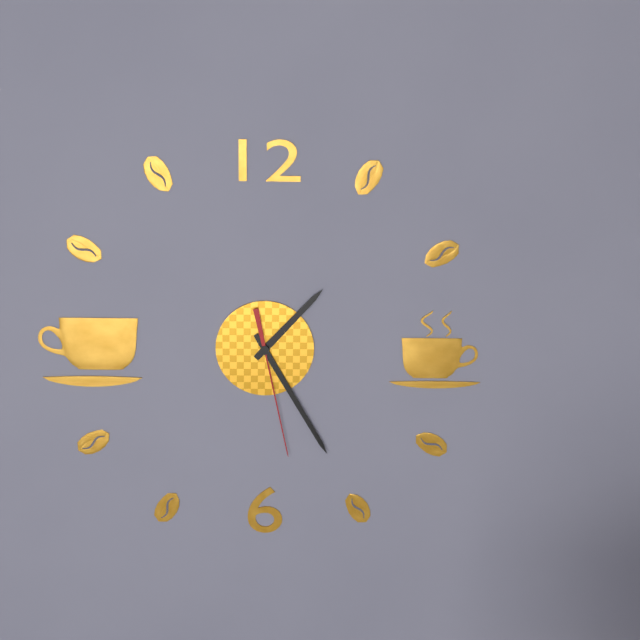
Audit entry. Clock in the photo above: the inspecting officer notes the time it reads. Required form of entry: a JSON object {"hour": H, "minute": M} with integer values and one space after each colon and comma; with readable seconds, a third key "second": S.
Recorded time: {"hour": 1, "minute": 25, "second": 28}
